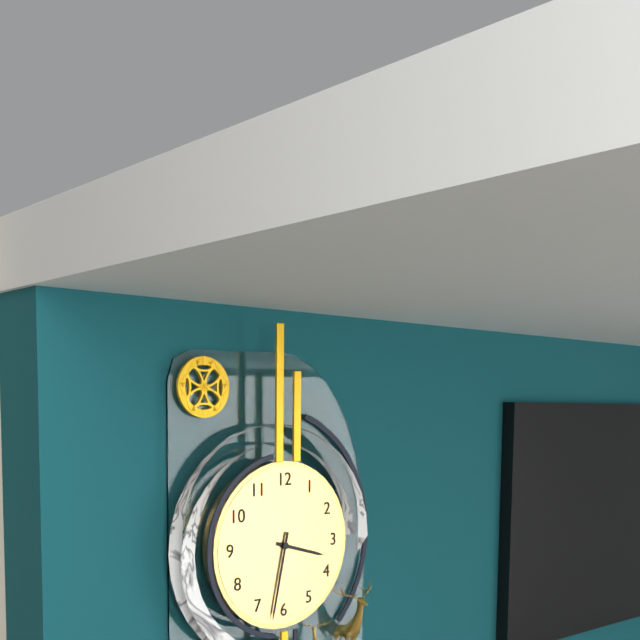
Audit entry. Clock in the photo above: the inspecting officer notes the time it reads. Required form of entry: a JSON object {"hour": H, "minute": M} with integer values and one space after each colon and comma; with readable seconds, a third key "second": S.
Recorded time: {"hour": 3, "minute": 32}
